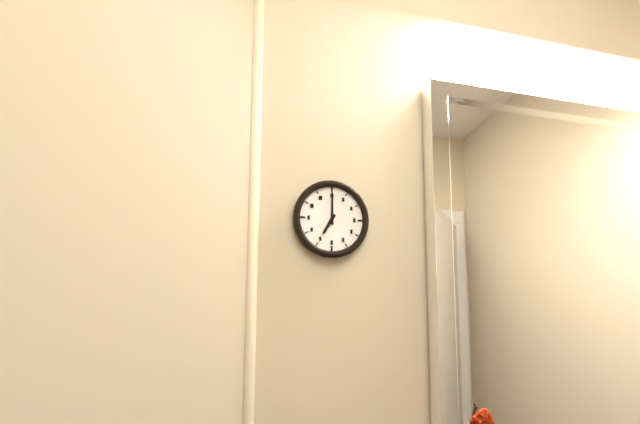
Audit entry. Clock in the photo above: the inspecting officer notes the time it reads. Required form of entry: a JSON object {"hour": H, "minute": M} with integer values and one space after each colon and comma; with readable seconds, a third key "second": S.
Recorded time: {"hour": 7, "minute": 0}
